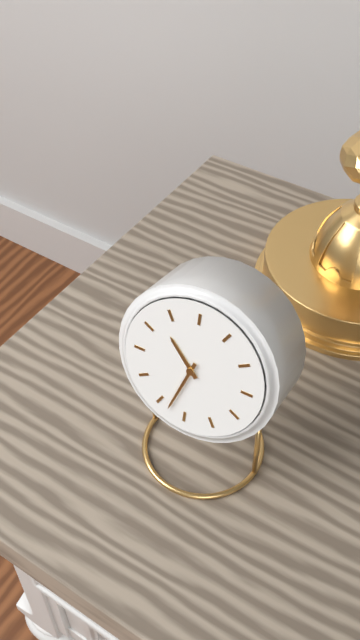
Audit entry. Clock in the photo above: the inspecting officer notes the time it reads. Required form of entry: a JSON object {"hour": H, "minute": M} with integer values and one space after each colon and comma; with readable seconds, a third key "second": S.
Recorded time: {"hour": 10, "minute": 33}
